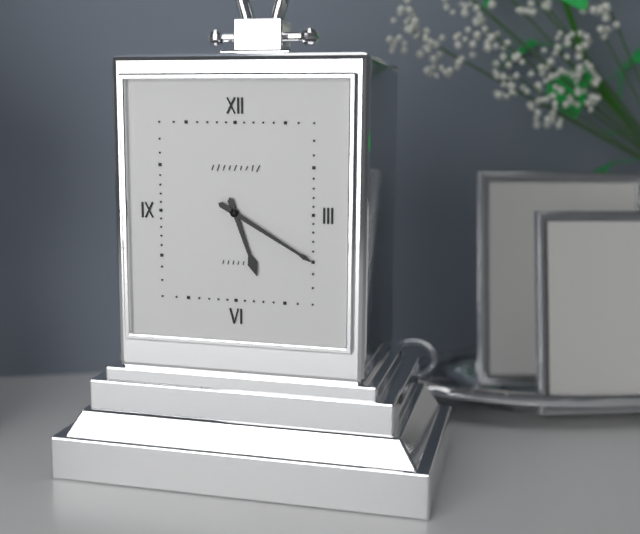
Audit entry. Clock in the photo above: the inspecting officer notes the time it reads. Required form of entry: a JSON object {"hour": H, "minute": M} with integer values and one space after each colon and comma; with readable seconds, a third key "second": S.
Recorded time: {"hour": 5, "minute": 20}
